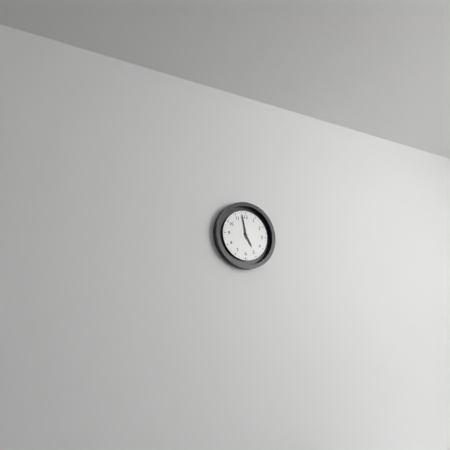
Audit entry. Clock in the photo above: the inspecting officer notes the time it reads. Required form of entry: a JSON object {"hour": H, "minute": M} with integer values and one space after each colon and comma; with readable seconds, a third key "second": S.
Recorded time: {"hour": 4, "minute": 58}
